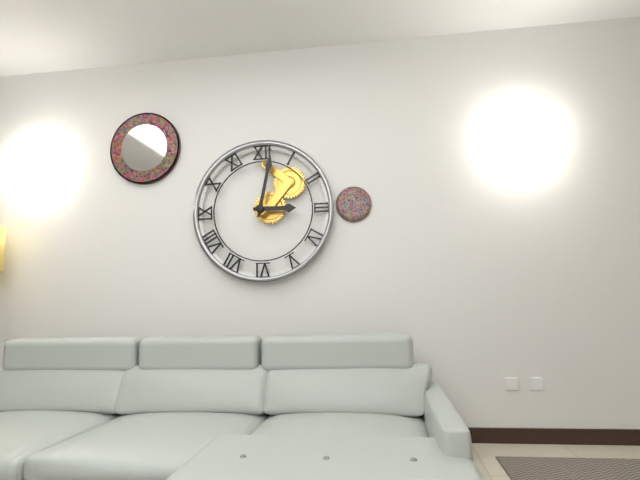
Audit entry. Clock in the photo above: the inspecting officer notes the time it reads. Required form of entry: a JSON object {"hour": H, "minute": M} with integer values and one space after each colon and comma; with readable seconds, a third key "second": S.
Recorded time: {"hour": 3, "minute": 2}
